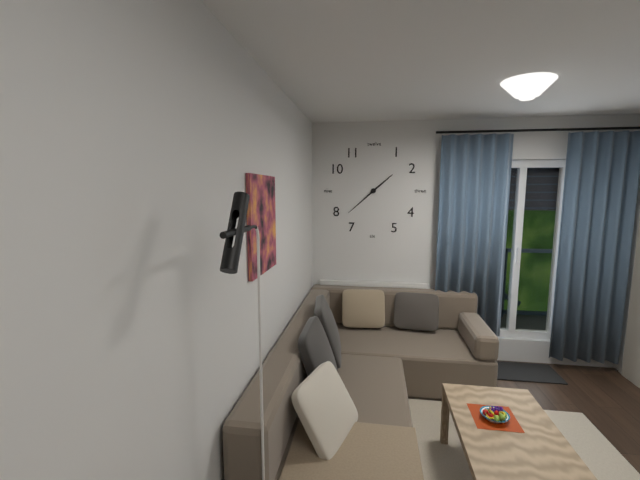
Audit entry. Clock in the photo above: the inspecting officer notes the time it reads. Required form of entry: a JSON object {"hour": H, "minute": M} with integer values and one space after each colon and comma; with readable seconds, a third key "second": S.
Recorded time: {"hour": 1, "minute": 38}
